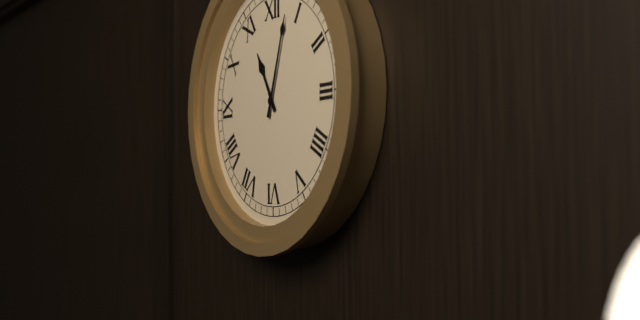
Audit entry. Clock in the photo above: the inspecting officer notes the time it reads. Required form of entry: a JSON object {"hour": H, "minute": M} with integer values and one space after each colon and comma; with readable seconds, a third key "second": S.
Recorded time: {"hour": 11, "minute": 3}
